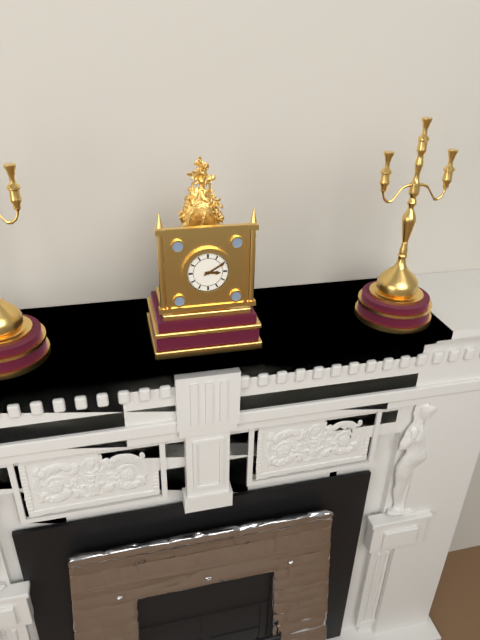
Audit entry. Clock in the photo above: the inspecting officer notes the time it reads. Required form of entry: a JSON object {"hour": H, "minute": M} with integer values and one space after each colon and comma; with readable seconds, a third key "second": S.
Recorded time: {"hour": 3, "minute": 10}
